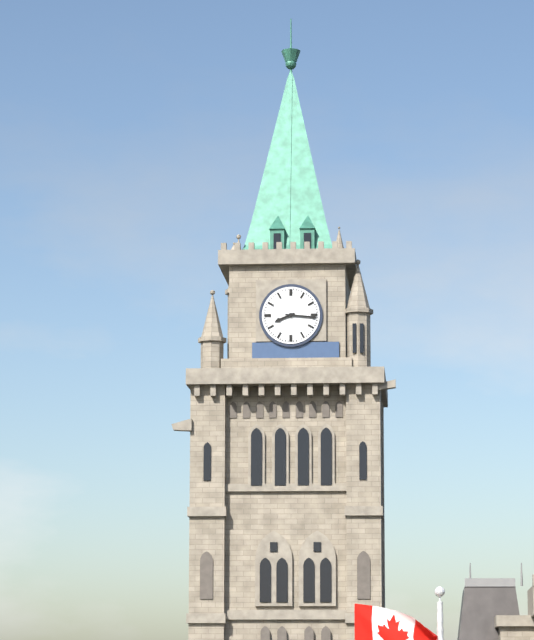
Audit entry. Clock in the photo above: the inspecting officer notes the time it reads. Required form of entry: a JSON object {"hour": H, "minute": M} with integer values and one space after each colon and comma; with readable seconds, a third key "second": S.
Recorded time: {"hour": 8, "minute": 16}
